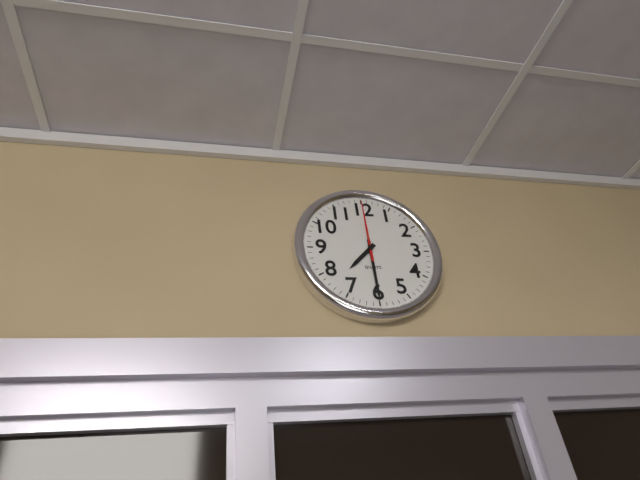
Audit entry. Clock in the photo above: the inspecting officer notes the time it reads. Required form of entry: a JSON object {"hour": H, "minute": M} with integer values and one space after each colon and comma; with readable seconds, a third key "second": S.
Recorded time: {"hour": 7, "minute": 30, "second": 0}
